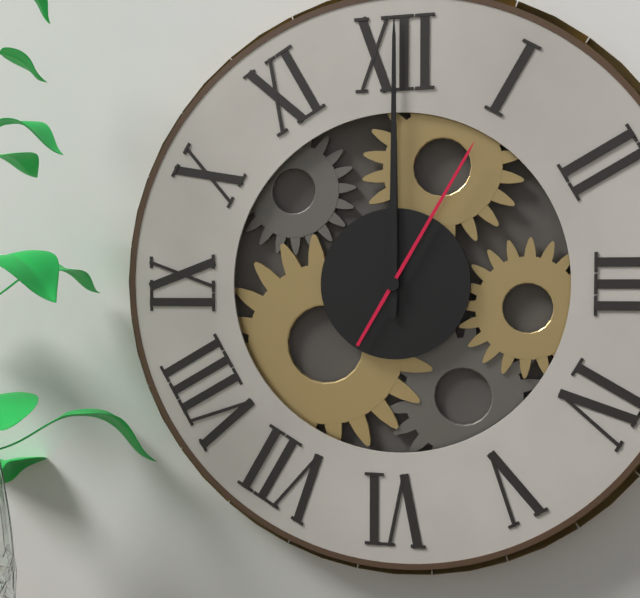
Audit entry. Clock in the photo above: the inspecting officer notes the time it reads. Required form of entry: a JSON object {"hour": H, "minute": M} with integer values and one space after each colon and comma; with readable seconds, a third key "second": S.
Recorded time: {"hour": 12, "minute": 0, "second": 5}
